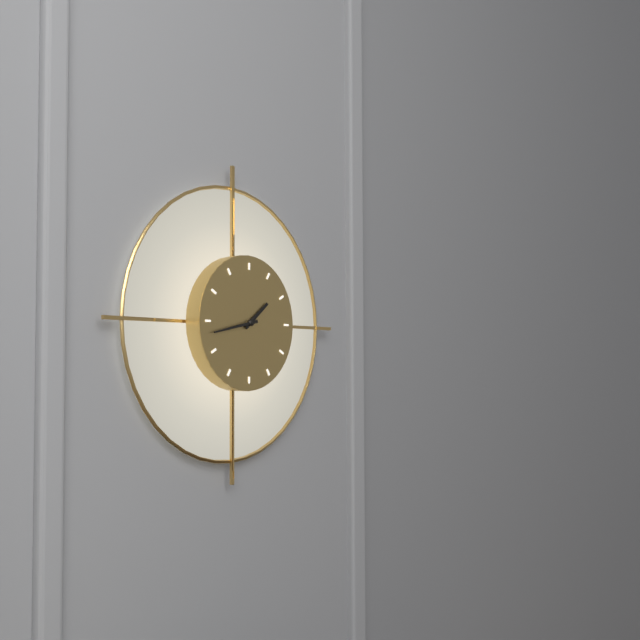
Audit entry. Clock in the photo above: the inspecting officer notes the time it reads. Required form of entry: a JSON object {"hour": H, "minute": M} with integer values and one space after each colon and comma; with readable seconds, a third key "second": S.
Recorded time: {"hour": 1, "minute": 43}
